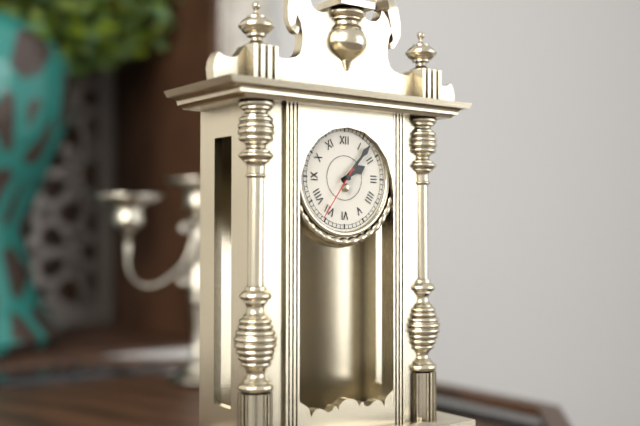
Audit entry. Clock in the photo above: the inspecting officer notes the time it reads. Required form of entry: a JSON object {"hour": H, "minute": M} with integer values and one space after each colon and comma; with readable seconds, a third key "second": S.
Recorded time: {"hour": 2, "minute": 7, "second": 36}
